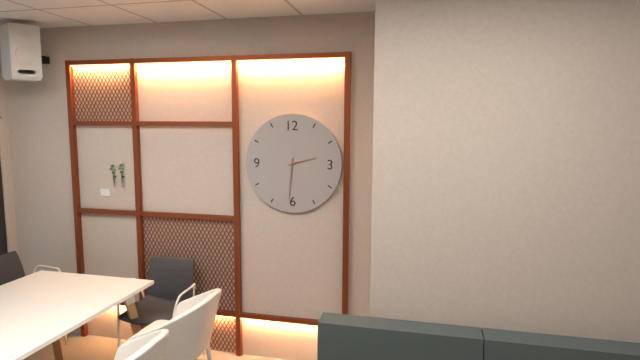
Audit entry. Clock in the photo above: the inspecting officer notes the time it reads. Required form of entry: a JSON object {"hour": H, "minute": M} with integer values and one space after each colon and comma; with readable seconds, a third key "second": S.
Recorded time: {"hour": 2, "minute": 31}
